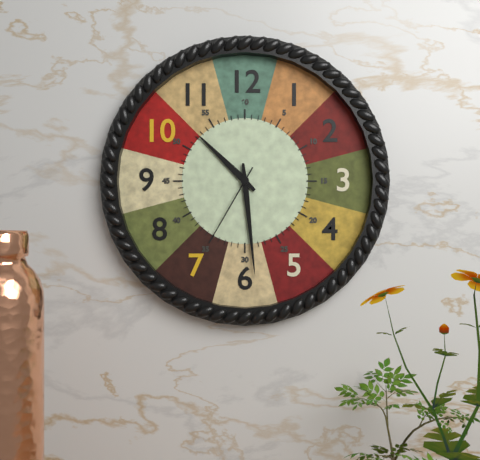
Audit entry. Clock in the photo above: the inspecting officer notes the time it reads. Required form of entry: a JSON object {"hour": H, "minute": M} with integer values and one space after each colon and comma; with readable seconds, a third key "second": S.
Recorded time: {"hour": 10, "minute": 29, "second": 35}
